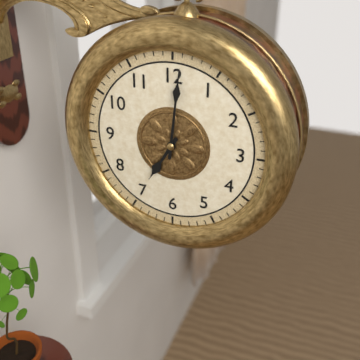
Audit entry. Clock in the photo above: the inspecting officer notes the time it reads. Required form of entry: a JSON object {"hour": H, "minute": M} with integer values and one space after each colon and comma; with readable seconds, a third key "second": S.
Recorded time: {"hour": 7, "minute": 1}
